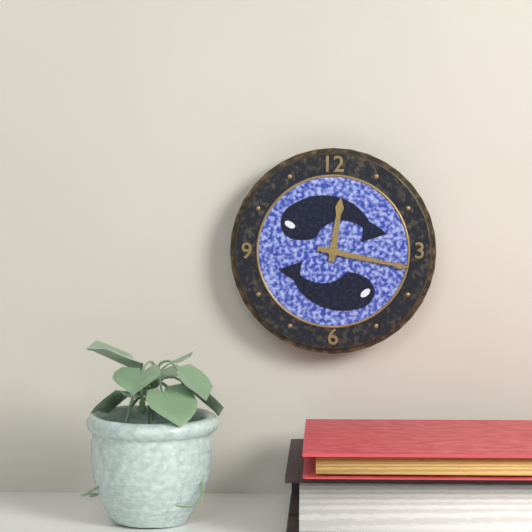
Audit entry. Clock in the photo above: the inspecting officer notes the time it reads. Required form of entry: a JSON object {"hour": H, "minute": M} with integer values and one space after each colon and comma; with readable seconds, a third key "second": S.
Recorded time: {"hour": 12, "minute": 17}
